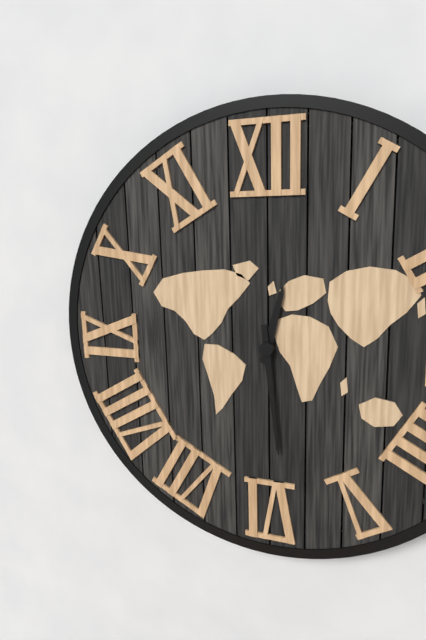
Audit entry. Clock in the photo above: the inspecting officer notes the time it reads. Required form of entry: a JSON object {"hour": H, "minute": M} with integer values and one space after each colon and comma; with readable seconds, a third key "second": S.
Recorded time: {"hour": 12, "minute": 29}
